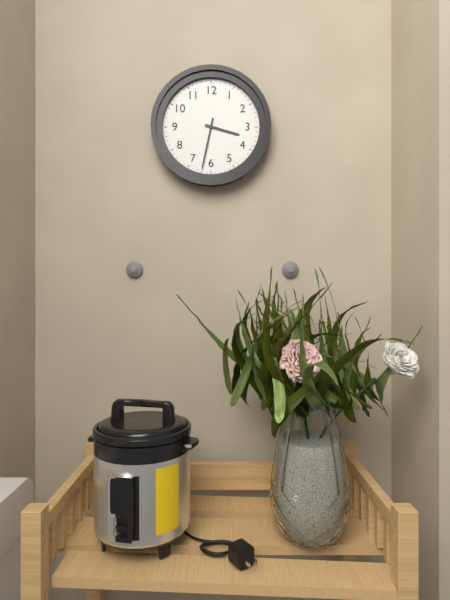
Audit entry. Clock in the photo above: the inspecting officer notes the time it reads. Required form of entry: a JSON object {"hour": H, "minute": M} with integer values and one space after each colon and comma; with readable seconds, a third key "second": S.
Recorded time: {"hour": 3, "minute": 32}
